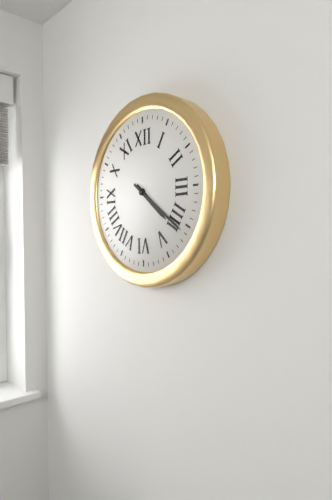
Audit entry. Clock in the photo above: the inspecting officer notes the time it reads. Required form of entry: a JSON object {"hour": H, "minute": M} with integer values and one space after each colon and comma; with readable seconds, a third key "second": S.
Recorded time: {"hour": 4, "minute": 21}
